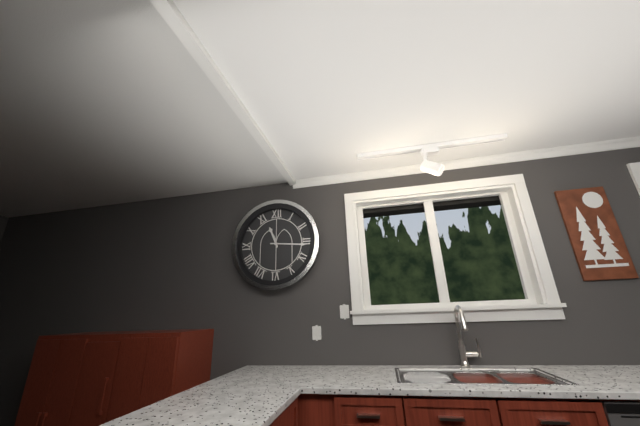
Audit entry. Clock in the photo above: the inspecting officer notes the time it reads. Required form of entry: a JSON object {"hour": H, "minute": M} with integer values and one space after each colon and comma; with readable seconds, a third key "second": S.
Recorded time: {"hour": 11, "minute": 16}
